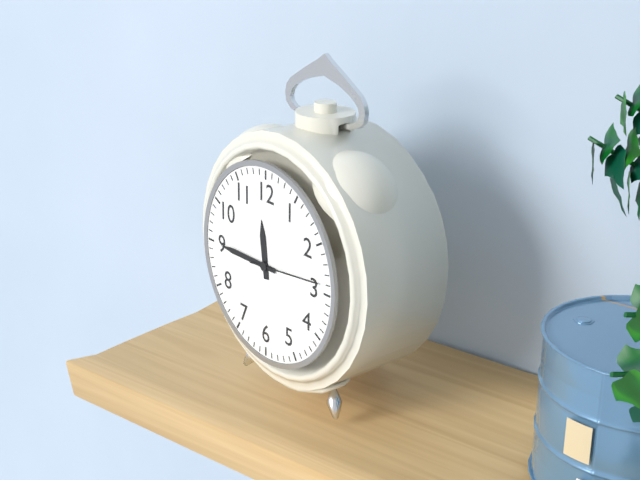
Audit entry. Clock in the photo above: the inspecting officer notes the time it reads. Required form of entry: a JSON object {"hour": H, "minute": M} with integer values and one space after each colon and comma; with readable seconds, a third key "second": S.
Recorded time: {"hour": 11, "minute": 45, "second": 14}
